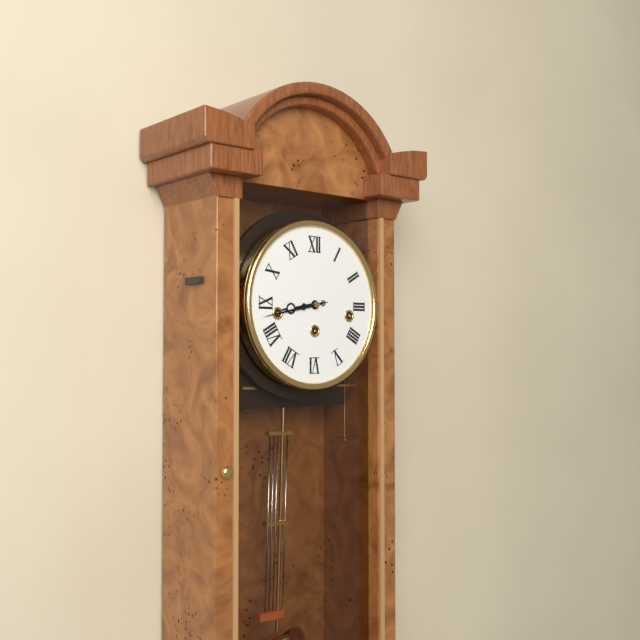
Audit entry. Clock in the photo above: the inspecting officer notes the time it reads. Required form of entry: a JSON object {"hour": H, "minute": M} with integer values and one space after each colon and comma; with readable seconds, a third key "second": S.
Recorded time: {"hour": 8, "minute": 43}
